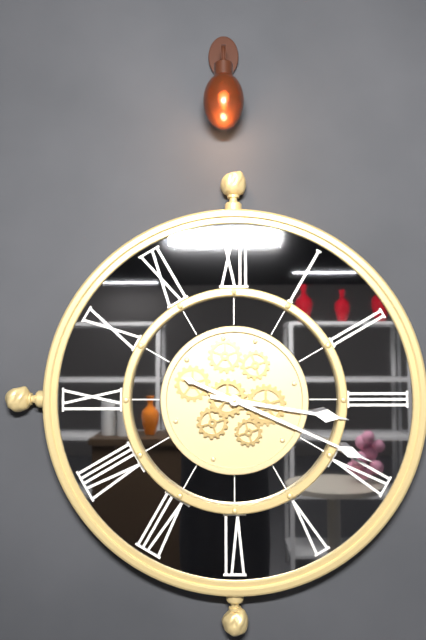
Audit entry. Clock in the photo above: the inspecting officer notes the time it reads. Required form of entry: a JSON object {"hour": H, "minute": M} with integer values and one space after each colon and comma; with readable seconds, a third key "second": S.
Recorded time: {"hour": 3, "minute": 19}
